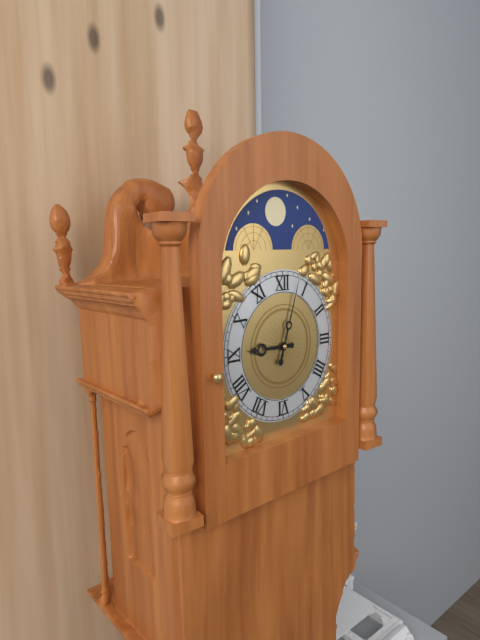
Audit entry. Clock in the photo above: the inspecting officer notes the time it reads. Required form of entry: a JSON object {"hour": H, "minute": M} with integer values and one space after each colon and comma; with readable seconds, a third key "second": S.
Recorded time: {"hour": 9, "minute": 3}
